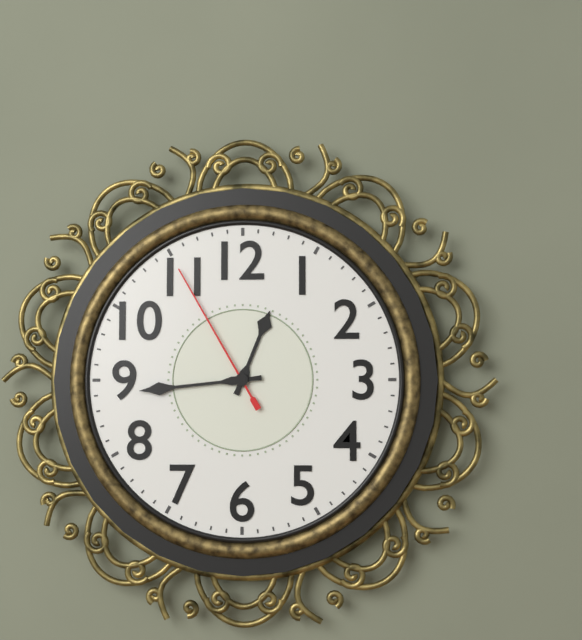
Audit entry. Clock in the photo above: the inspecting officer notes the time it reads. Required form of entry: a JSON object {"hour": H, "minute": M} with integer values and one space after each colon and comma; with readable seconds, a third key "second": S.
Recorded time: {"hour": 12, "minute": 44, "second": 55}
